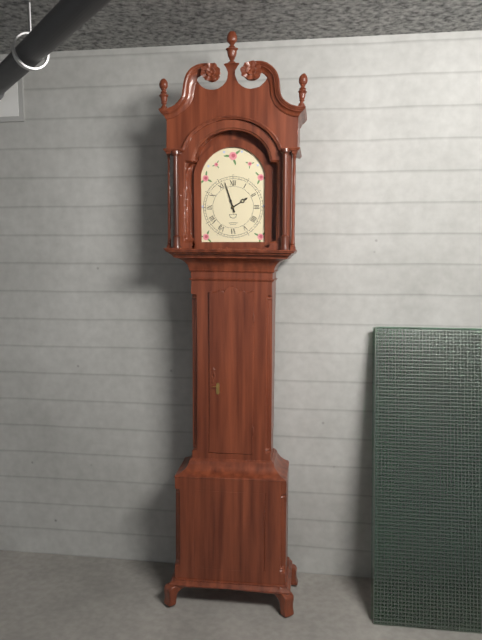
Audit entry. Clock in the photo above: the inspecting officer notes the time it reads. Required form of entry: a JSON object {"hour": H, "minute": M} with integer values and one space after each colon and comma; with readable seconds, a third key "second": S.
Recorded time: {"hour": 1, "minute": 57}
